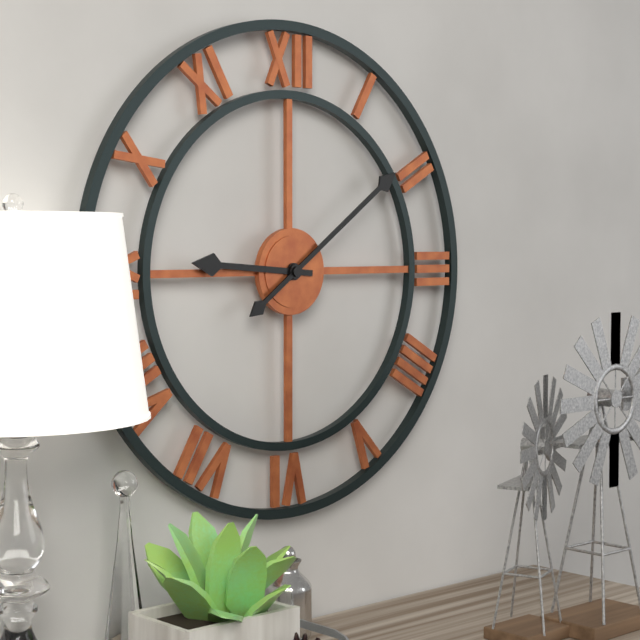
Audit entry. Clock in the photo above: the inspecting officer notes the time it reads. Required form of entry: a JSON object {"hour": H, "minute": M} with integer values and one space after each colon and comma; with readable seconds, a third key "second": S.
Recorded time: {"hour": 9, "minute": 9}
